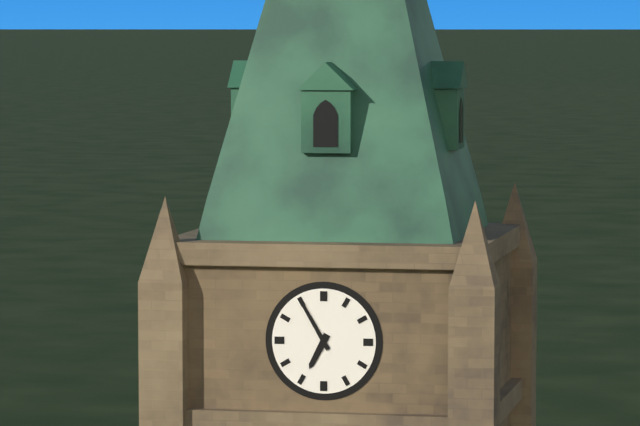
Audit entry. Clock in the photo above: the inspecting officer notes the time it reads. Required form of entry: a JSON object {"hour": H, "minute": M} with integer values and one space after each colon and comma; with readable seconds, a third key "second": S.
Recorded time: {"hour": 6, "minute": 55}
